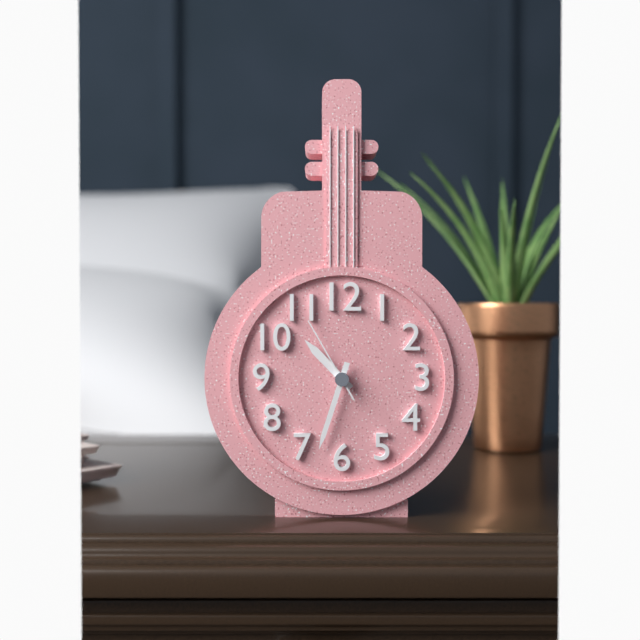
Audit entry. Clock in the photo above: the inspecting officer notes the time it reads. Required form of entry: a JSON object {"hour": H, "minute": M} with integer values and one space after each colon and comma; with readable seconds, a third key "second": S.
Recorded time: {"hour": 10, "minute": 33, "second": 55}
